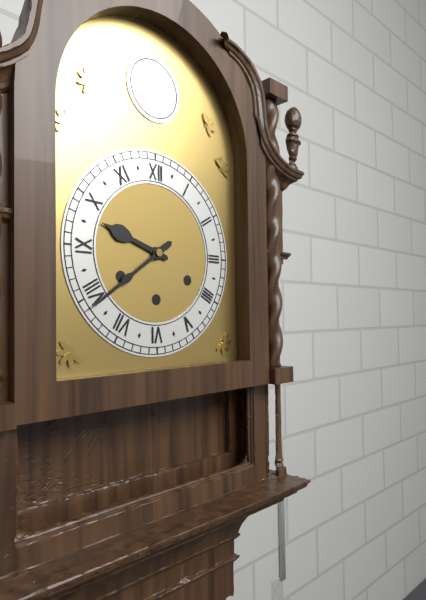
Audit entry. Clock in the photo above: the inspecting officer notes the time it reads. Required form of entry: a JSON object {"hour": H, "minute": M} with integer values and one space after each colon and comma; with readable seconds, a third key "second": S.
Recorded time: {"hour": 9, "minute": 39}
